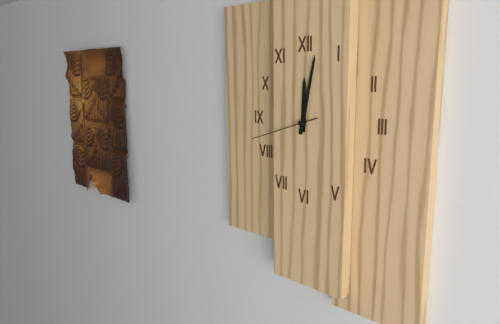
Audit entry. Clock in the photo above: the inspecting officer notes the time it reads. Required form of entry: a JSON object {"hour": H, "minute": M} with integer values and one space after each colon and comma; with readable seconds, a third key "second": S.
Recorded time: {"hour": 12, "minute": 2, "second": 42}
